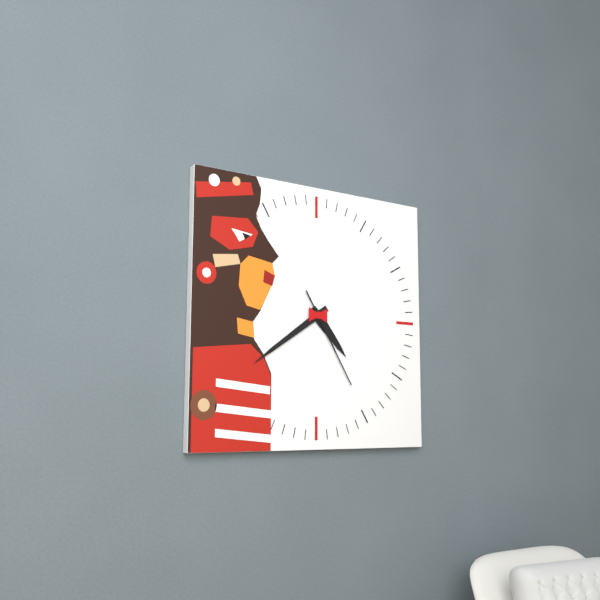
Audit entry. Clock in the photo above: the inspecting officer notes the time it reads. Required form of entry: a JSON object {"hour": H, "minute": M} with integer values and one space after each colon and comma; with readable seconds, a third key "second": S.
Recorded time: {"hour": 4, "minute": 39, "second": 25}
